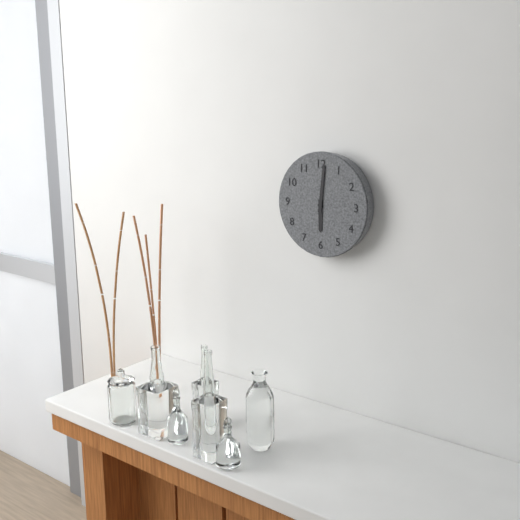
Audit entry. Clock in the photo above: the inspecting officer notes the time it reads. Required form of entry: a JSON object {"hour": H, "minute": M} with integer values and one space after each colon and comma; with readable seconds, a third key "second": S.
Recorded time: {"hour": 6, "minute": 1}
